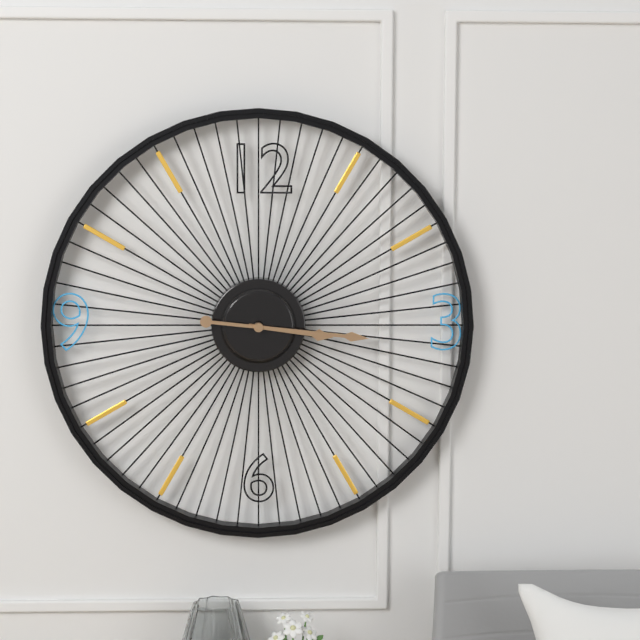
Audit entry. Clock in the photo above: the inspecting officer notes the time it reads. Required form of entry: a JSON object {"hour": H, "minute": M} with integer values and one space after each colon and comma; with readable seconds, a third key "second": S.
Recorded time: {"hour": 3, "minute": 16}
